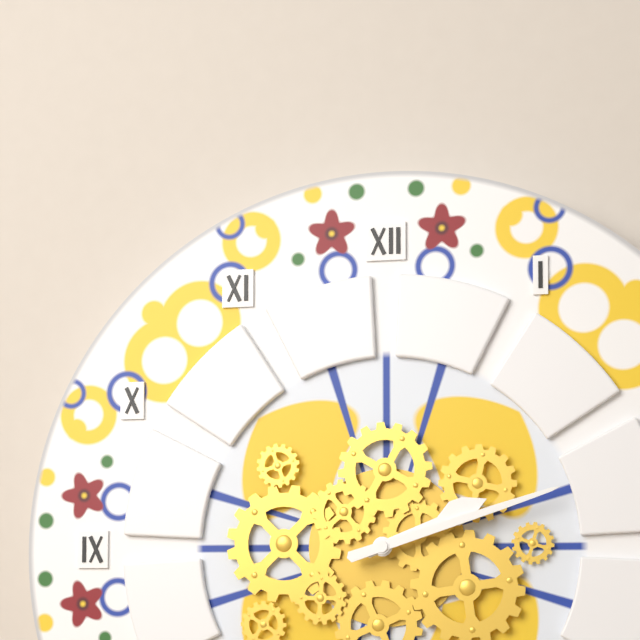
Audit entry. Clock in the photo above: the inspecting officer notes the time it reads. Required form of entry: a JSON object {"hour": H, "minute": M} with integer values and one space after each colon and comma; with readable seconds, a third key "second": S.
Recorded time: {"hour": 2, "minute": 12}
